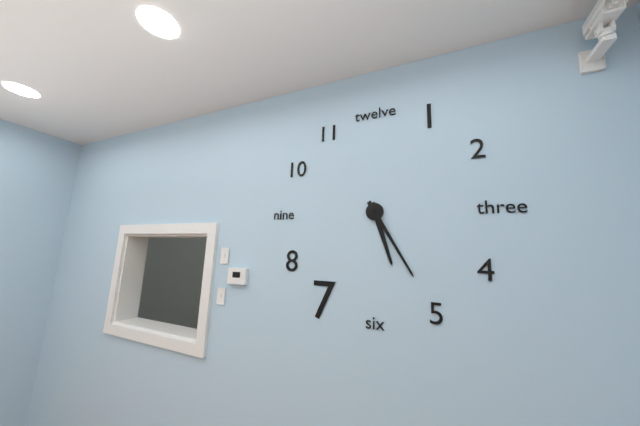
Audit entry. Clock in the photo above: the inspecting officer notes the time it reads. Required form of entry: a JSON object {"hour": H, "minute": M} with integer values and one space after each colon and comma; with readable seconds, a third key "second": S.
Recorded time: {"hour": 5, "minute": 25}
